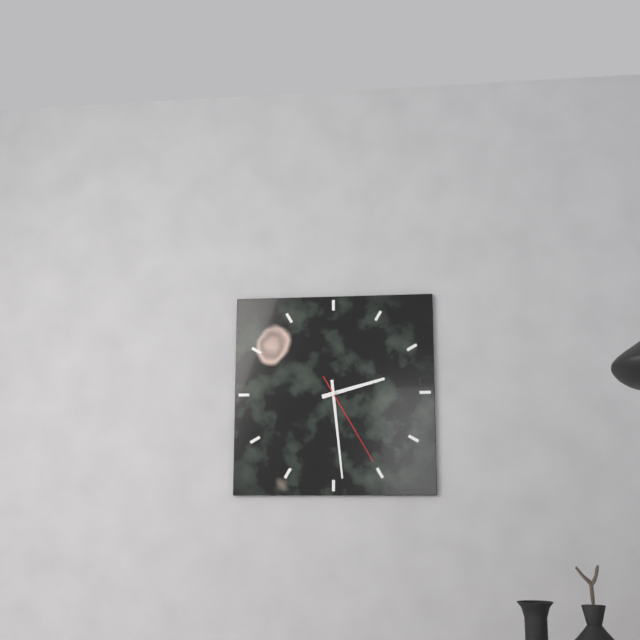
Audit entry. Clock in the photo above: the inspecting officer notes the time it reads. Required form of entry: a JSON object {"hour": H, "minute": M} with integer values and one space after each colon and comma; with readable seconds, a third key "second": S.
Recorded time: {"hour": 2, "minute": 29, "second": 25}
